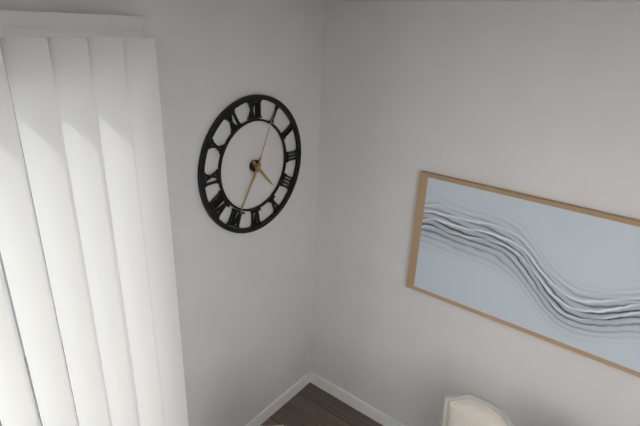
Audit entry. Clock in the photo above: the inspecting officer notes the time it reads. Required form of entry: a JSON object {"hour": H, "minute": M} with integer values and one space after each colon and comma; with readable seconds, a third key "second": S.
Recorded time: {"hour": 4, "minute": 35, "second": 4}
